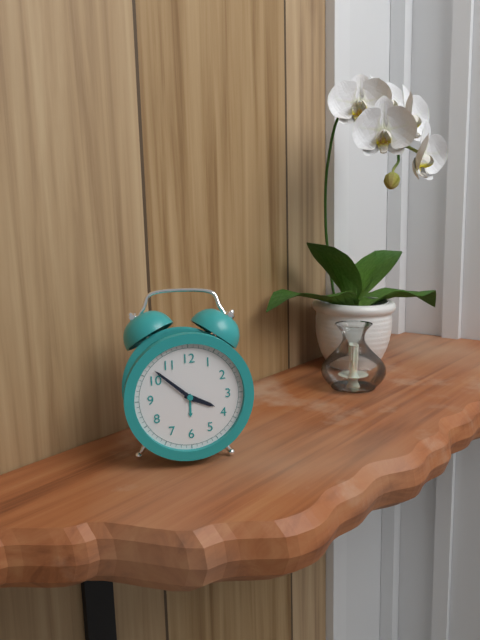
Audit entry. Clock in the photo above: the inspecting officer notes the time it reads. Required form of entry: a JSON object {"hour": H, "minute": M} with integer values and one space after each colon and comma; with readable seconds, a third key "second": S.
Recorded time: {"hour": 3, "minute": 52}
